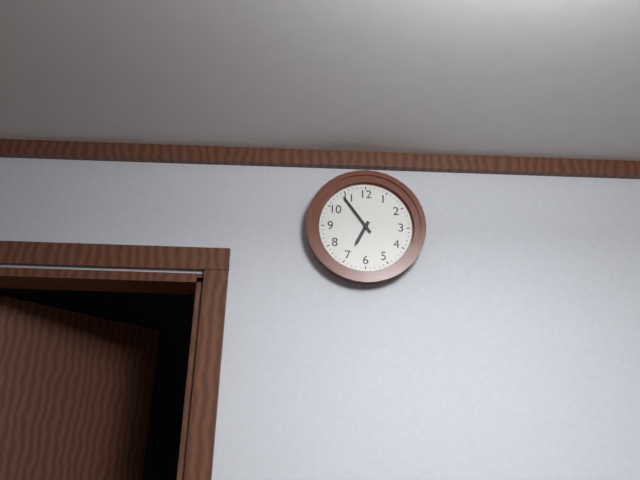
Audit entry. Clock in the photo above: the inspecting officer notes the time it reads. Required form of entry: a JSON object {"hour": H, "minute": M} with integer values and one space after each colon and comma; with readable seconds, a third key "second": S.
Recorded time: {"hour": 6, "minute": 54}
